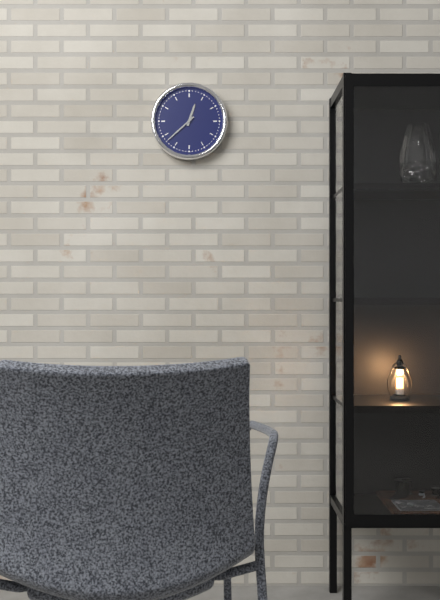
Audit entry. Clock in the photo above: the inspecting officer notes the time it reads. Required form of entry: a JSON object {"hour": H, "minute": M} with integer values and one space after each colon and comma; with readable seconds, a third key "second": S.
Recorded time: {"hour": 12, "minute": 38}
